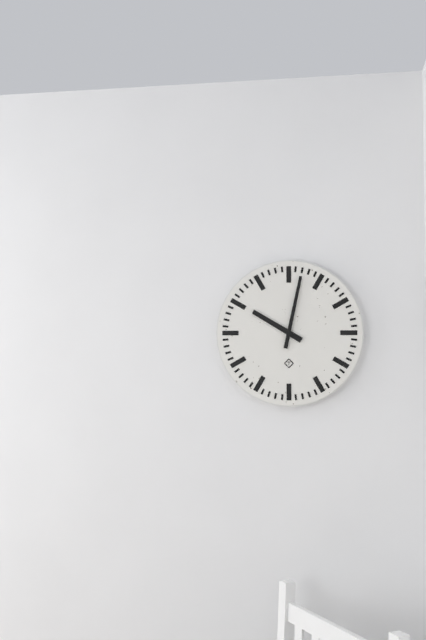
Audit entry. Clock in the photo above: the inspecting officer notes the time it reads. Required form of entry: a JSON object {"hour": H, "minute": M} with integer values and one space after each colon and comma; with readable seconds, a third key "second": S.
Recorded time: {"hour": 10, "minute": 2}
